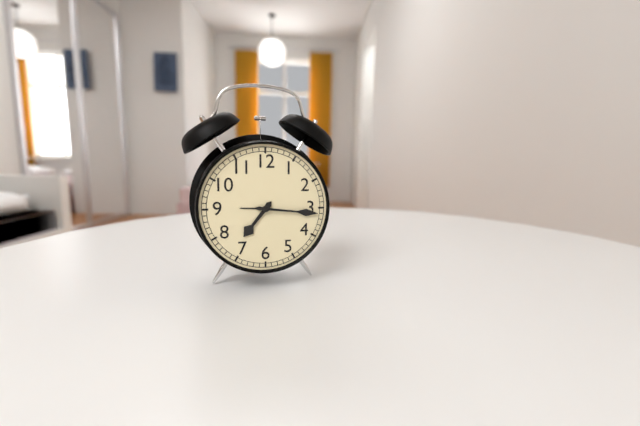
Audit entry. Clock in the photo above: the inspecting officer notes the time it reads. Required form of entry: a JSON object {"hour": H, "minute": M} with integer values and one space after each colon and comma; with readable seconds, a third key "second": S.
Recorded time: {"hour": 7, "minute": 16}
